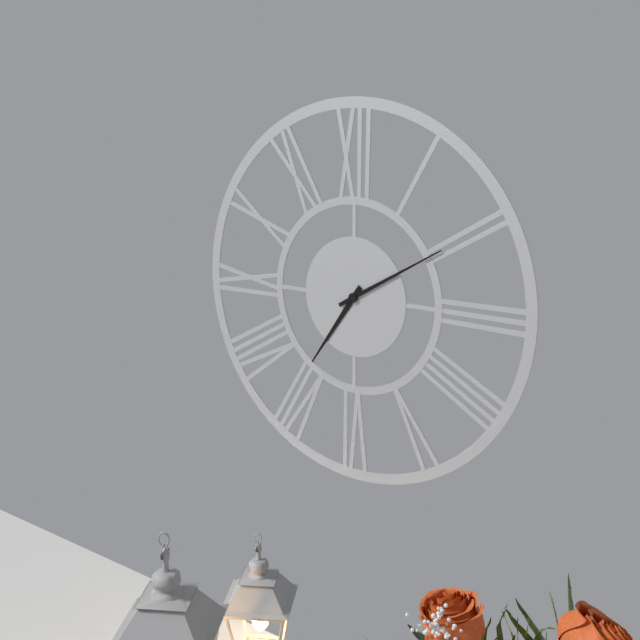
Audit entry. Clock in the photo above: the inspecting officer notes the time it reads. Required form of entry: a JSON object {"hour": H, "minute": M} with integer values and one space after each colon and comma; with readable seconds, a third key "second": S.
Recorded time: {"hour": 7, "minute": 10}
